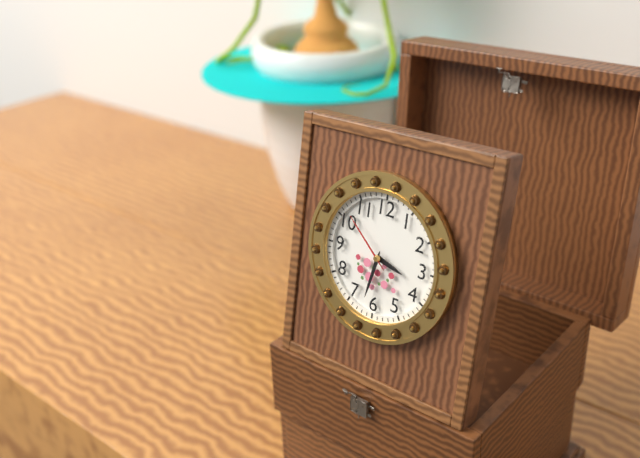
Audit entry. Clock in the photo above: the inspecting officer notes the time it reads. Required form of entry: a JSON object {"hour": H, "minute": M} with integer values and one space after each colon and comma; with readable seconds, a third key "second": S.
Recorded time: {"hour": 3, "minute": 32, "second": 52}
